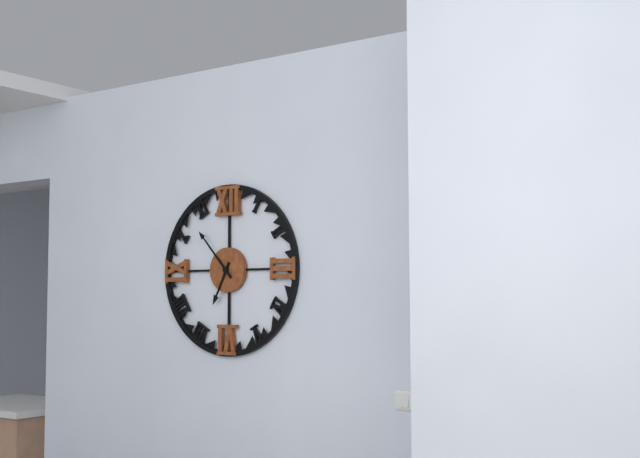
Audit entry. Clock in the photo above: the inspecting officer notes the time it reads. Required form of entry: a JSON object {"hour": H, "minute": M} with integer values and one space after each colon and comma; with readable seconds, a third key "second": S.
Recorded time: {"hour": 6, "minute": 53}
